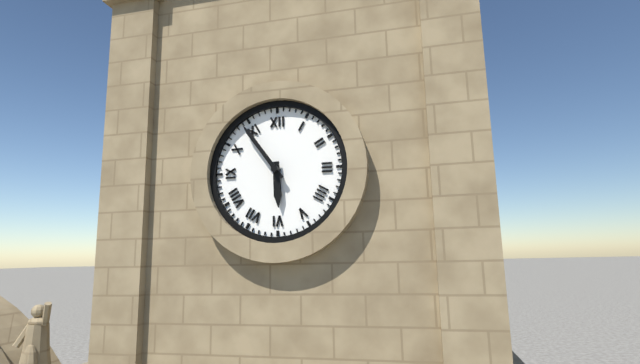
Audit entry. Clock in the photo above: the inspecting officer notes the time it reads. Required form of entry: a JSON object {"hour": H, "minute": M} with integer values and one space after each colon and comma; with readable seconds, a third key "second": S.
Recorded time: {"hour": 5, "minute": 54}
